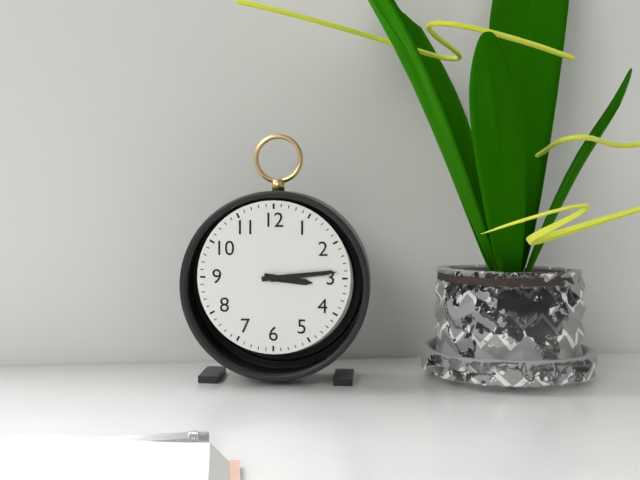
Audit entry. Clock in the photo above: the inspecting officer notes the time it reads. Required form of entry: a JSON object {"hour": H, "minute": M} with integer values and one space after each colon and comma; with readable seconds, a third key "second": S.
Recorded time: {"hour": 3, "minute": 14}
